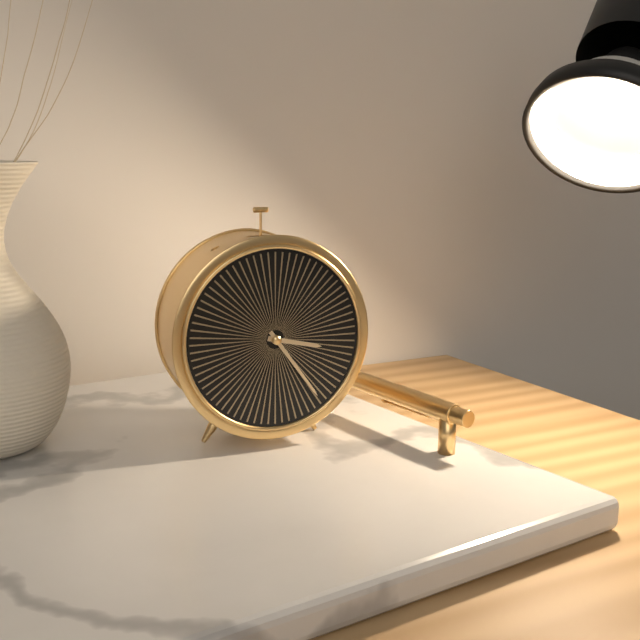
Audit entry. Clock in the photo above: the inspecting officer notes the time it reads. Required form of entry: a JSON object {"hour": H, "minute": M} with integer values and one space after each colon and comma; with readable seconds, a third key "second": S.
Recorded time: {"hour": 3, "minute": 24}
